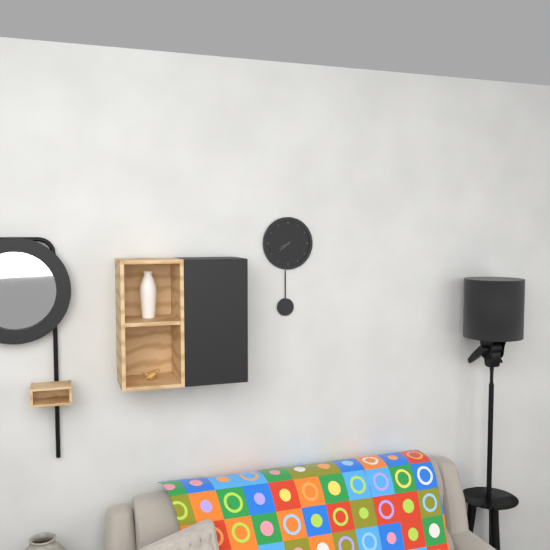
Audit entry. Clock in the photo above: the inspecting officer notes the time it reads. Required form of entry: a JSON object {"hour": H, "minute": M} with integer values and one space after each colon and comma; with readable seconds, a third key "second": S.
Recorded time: {"hour": 7, "minute": 41}
